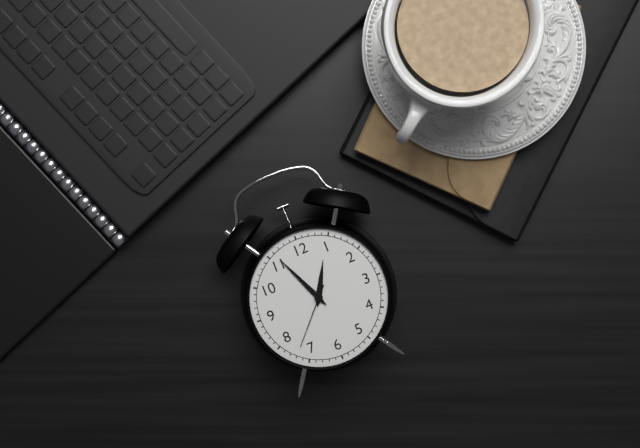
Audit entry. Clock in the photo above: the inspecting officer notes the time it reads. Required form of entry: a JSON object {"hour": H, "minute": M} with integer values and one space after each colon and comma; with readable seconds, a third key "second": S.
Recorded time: {"hour": 12, "minute": 56, "second": 37}
